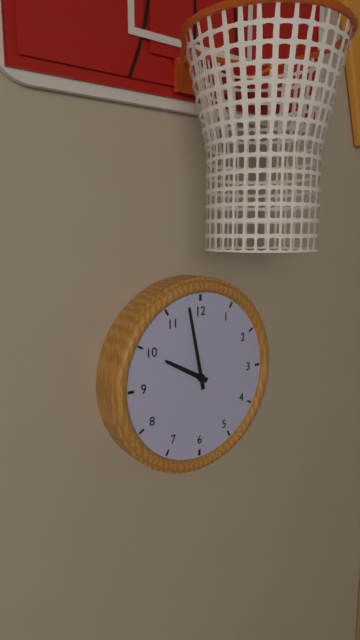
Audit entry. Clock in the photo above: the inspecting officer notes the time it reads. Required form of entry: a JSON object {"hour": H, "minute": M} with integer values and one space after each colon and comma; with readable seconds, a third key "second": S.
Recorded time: {"hour": 9, "minute": 58}
